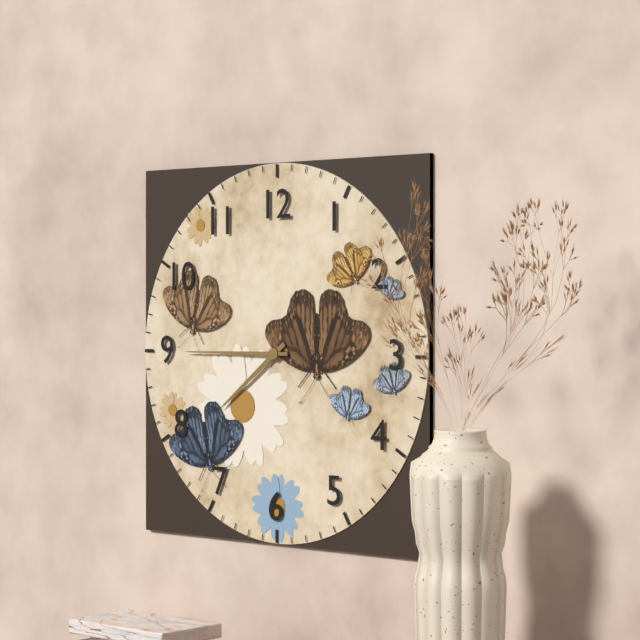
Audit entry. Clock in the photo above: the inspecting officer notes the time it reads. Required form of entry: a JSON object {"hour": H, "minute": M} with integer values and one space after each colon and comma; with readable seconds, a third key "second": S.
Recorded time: {"hour": 7, "minute": 45}
